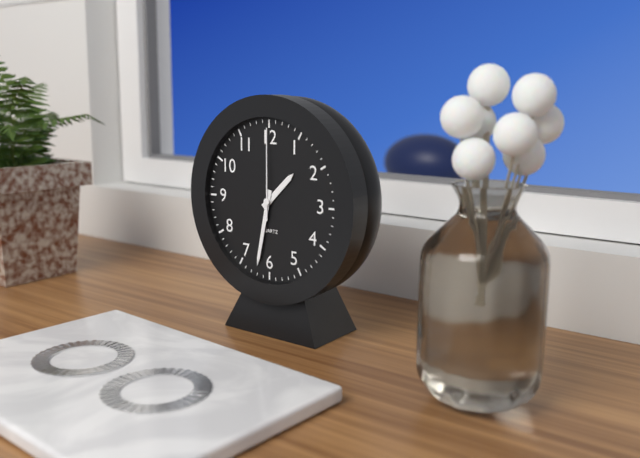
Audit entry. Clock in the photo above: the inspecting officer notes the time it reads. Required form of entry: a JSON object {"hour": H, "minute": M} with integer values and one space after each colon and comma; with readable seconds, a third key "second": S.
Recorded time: {"hour": 1, "minute": 32, "second": 0}
